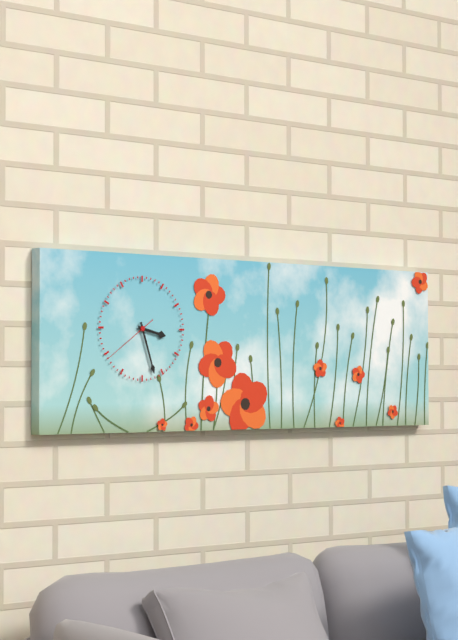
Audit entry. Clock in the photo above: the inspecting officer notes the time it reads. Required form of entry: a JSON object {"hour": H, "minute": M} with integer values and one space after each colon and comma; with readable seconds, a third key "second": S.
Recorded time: {"hour": 3, "minute": 27, "second": 39}
